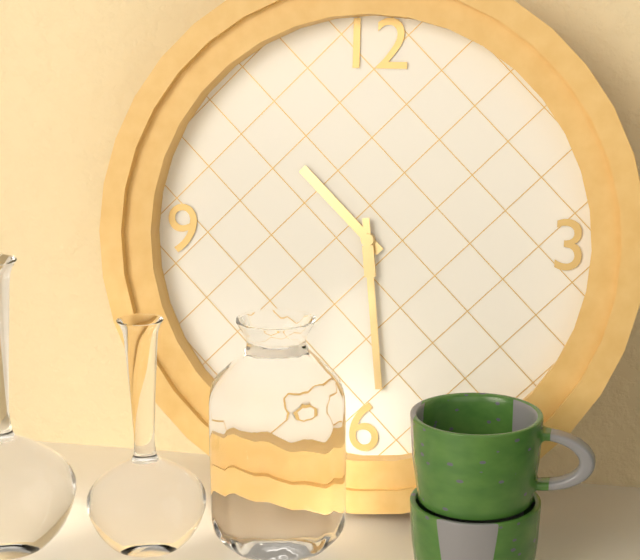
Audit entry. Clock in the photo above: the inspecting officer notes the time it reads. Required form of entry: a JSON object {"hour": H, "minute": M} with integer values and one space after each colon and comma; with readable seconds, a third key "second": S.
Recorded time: {"hour": 10, "minute": 29}
